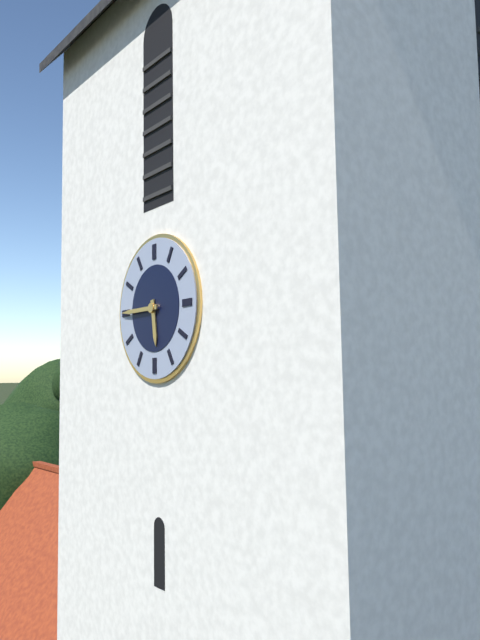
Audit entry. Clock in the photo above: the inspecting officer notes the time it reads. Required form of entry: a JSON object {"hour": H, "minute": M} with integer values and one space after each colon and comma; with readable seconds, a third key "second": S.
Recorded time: {"hour": 5, "minute": 45}
